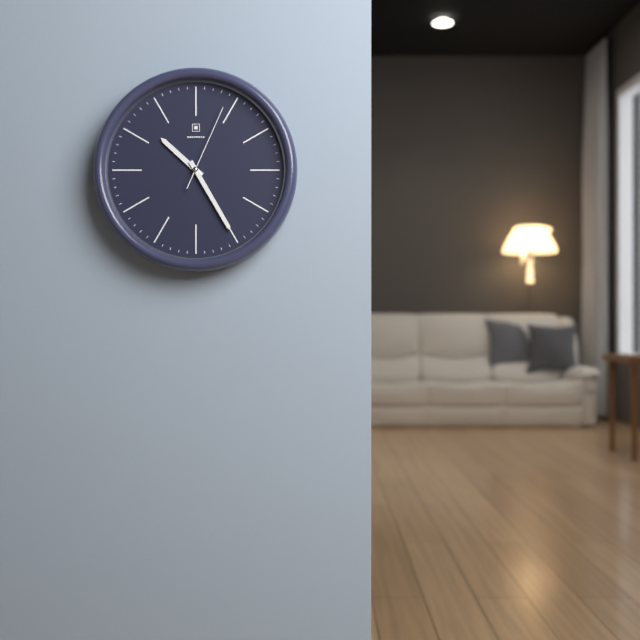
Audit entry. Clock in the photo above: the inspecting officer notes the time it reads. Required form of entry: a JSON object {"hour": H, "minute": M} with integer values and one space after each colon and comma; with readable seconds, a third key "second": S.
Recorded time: {"hour": 10, "minute": 25, "second": 4}
